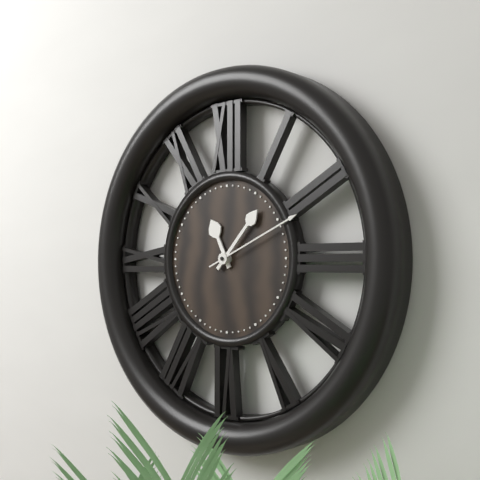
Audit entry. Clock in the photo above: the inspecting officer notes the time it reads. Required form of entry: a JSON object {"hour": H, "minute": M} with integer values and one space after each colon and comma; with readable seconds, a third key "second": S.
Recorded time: {"hour": 11, "minute": 7, "second": 11}
